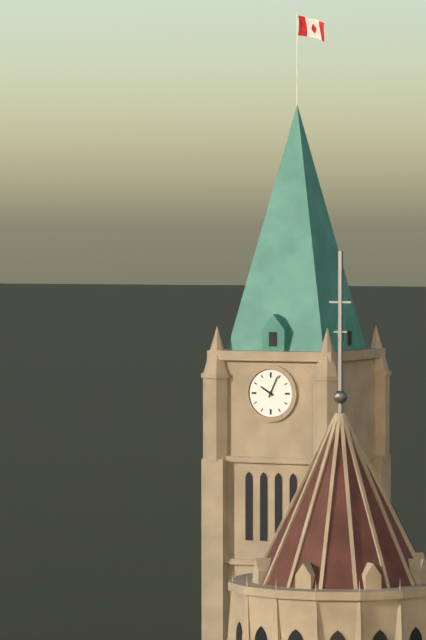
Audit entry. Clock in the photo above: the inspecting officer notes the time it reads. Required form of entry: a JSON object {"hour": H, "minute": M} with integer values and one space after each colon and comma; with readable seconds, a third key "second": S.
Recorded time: {"hour": 10, "minute": 4}
